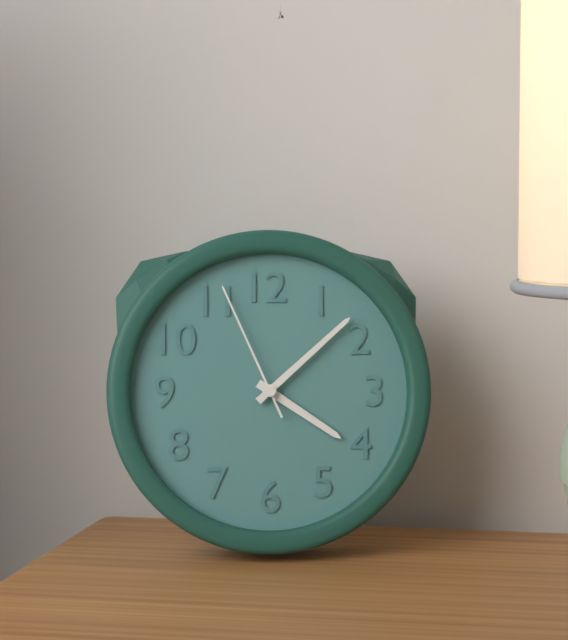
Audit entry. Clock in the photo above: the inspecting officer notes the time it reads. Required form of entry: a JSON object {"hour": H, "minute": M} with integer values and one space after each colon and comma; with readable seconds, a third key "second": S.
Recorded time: {"hour": 4, "minute": 8, "second": 56}
